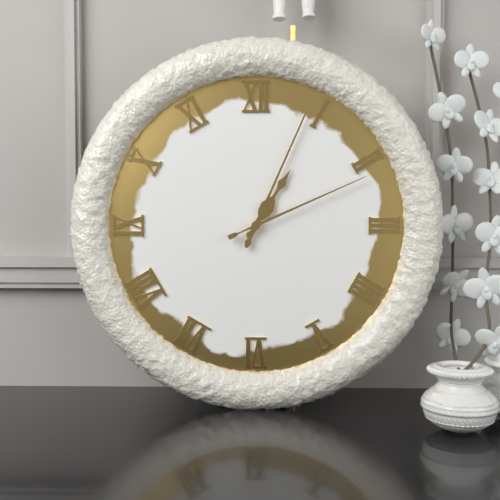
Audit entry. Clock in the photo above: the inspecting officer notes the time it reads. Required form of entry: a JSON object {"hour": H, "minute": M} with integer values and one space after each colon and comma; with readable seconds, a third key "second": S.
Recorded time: {"hour": 1, "minute": 4, "second": 11}
